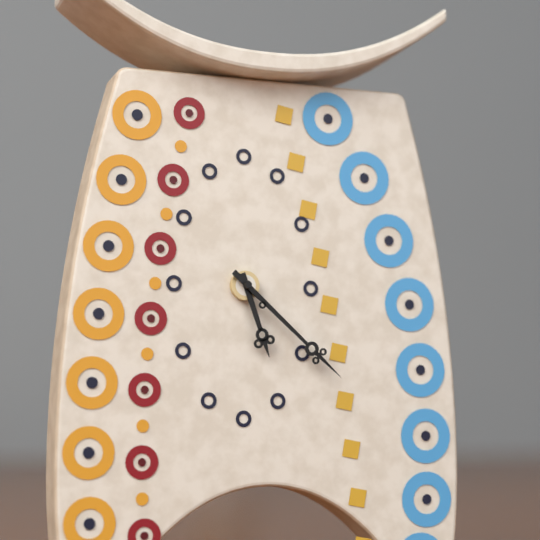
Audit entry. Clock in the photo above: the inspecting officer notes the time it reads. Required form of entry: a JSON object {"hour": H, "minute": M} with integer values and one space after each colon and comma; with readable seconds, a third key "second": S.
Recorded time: {"hour": 5, "minute": 22}
